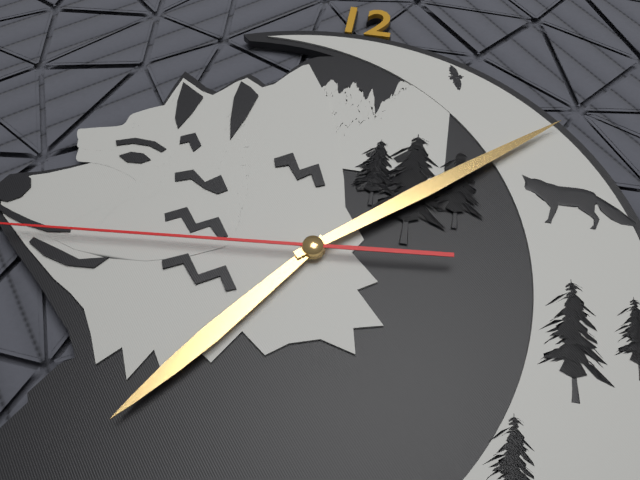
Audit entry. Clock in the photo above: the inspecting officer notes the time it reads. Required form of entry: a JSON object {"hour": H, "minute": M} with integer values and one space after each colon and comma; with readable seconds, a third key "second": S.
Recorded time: {"hour": 7, "minute": 8}
